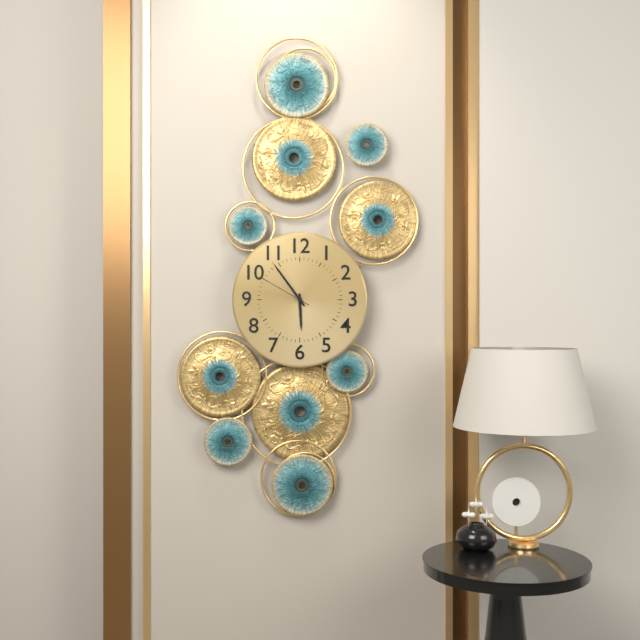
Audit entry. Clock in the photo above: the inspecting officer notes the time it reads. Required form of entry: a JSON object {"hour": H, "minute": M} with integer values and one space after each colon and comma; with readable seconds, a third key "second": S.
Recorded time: {"hour": 5, "minute": 54, "second": 50}
